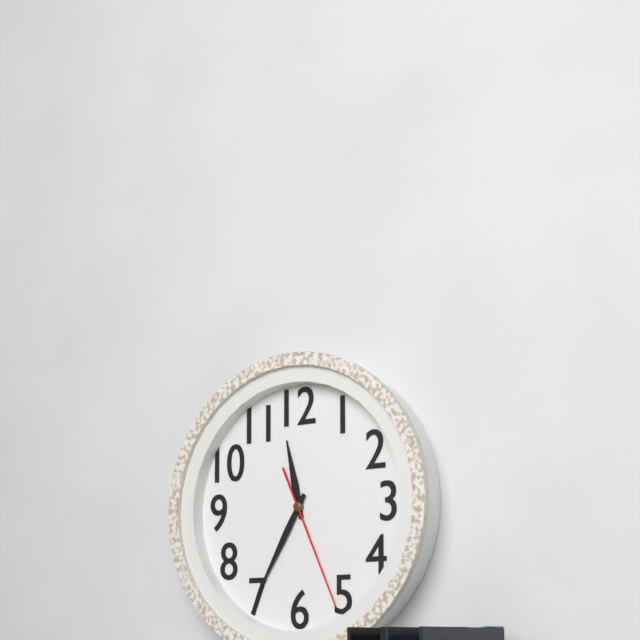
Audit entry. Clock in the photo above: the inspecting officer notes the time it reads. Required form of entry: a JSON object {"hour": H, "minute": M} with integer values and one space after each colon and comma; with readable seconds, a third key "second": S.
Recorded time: {"hour": 11, "minute": 35, "second": 26}
